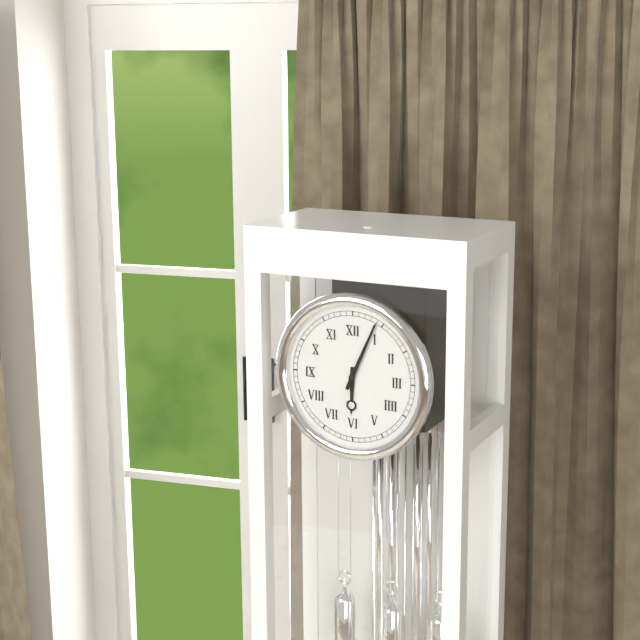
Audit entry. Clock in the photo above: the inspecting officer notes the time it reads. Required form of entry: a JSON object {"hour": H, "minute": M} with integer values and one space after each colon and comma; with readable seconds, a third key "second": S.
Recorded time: {"hour": 6, "minute": 4}
